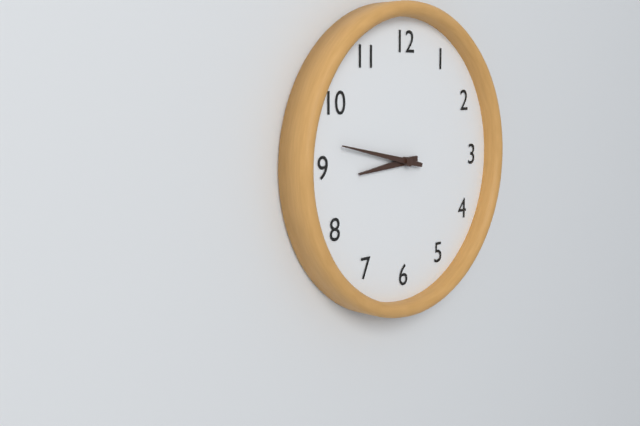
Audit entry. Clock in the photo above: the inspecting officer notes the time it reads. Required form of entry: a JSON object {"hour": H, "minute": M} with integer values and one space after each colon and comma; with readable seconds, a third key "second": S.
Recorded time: {"hour": 8, "minute": 47}
